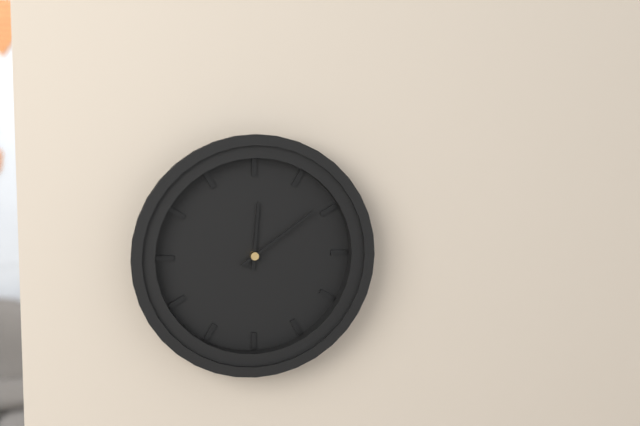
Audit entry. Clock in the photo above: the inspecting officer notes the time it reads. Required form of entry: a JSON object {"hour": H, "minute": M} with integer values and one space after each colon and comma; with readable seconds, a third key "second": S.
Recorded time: {"hour": 12, "minute": 9}
